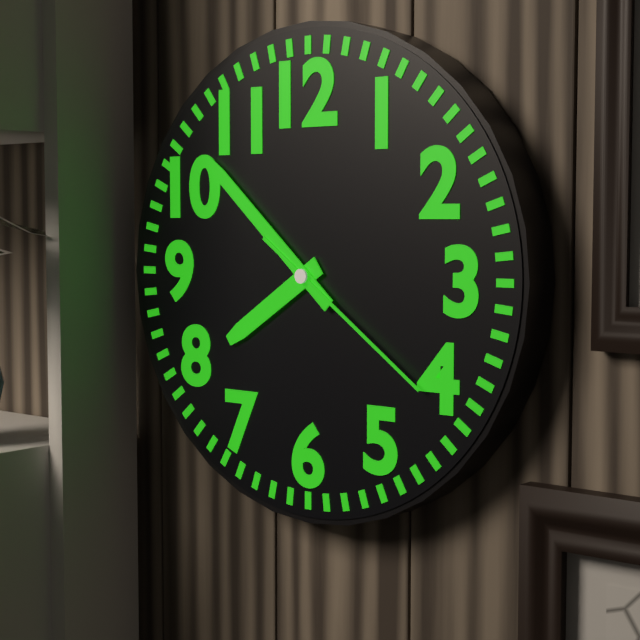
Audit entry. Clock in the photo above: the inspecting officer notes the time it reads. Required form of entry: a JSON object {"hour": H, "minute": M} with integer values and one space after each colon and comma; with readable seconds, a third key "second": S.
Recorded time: {"hour": 7, "minute": 52, "second": 21}
